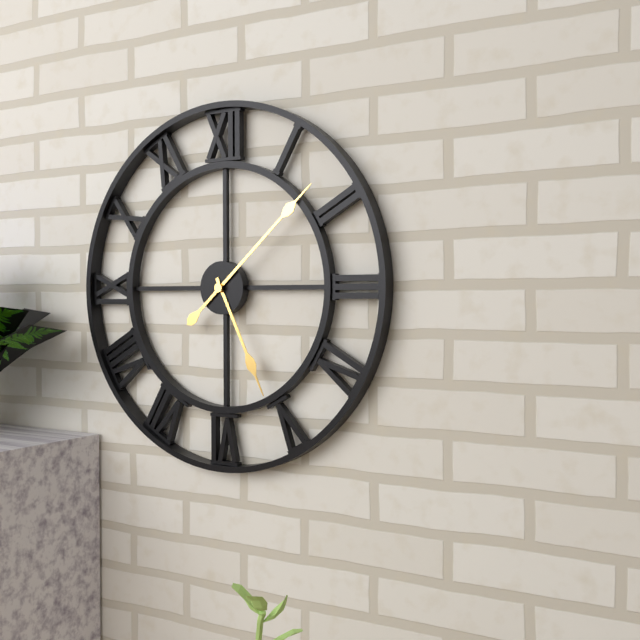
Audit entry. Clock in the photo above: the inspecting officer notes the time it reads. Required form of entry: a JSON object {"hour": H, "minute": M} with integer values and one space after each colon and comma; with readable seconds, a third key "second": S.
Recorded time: {"hour": 5, "minute": 8}
